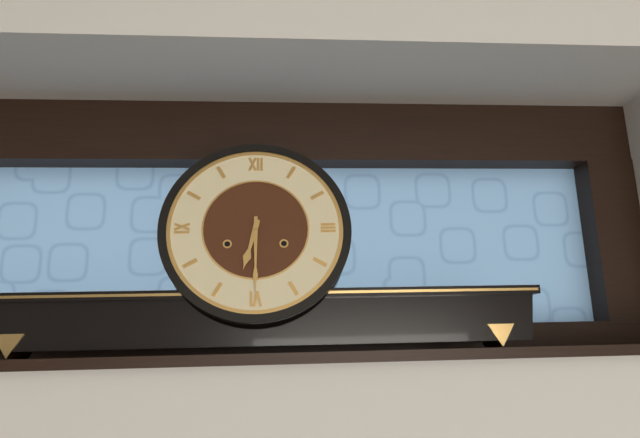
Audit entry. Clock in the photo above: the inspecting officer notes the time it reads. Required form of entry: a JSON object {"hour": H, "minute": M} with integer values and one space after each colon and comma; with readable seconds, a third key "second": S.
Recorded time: {"hour": 6, "minute": 30}
